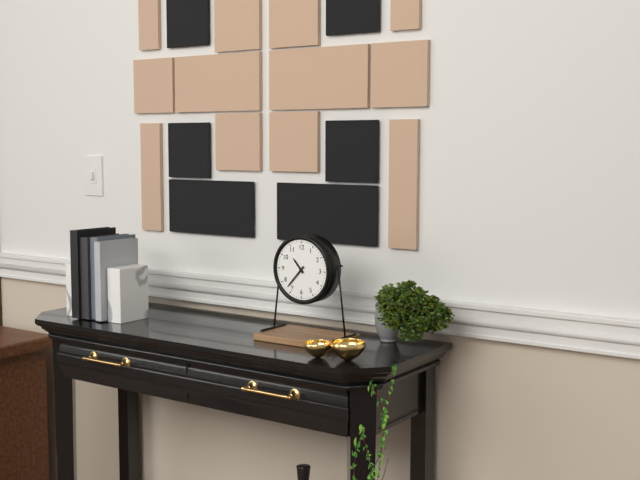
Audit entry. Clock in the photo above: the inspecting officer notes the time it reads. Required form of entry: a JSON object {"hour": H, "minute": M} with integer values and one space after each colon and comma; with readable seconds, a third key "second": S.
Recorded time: {"hour": 10, "minute": 37}
